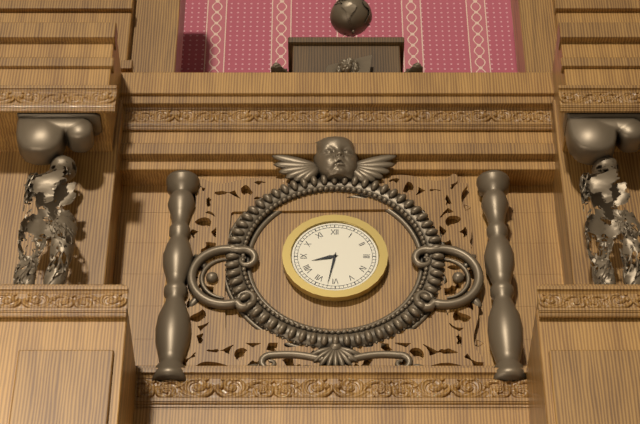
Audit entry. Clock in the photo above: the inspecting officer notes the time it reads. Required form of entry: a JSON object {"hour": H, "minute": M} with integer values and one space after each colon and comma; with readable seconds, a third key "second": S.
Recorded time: {"hour": 8, "minute": 32}
